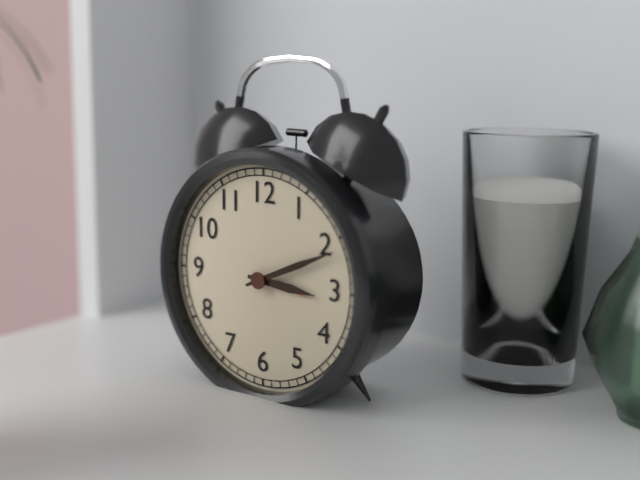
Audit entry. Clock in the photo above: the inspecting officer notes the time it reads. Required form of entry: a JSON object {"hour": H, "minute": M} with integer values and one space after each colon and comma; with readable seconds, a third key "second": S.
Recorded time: {"hour": 3, "minute": 11}
